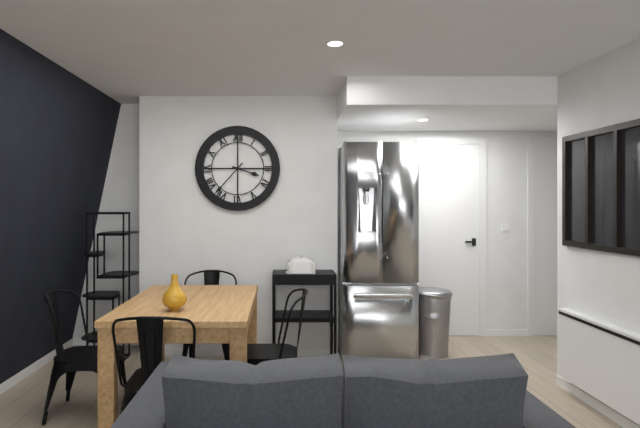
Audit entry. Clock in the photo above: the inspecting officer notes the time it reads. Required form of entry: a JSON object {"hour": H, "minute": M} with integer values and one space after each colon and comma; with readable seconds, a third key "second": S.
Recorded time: {"hour": 3, "minute": 37}
